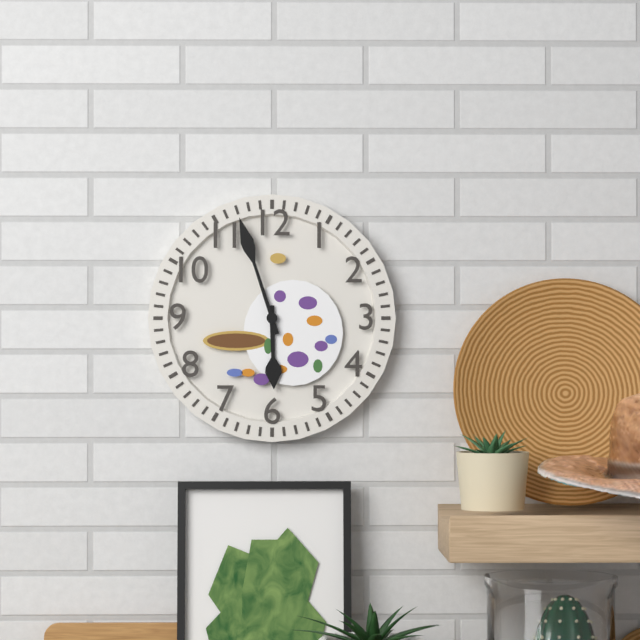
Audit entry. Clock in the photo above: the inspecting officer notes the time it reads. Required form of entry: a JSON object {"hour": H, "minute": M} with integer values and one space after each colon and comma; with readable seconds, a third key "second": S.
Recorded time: {"hour": 5, "minute": 57}
